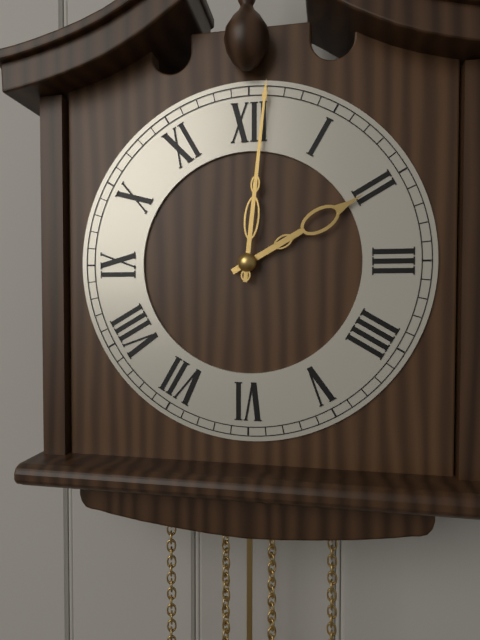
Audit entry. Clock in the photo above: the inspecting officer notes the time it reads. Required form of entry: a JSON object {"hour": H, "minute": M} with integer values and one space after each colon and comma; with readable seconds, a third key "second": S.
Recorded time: {"hour": 2, "minute": 1}
